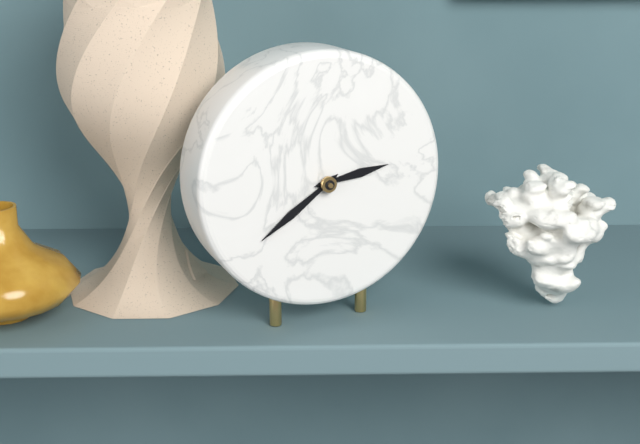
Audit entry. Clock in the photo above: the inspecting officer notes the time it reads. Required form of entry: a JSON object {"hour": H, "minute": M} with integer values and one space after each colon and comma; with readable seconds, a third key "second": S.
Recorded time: {"hour": 2, "minute": 39}
